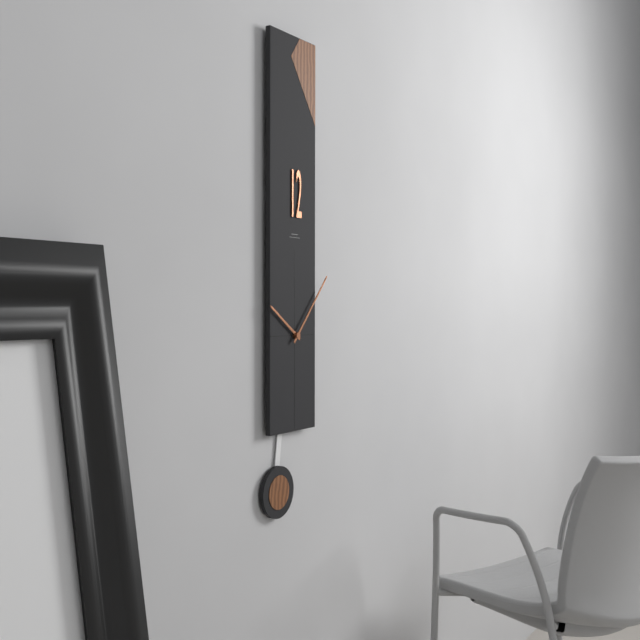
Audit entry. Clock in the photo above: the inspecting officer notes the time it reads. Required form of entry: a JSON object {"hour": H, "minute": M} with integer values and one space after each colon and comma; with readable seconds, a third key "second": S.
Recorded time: {"hour": 10, "minute": 7}
